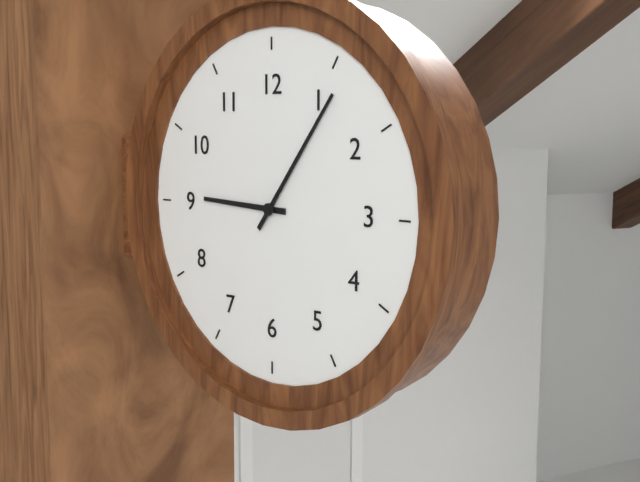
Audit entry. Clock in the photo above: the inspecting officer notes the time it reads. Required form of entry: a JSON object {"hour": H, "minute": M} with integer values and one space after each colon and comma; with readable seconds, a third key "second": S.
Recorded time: {"hour": 9, "minute": 6}
